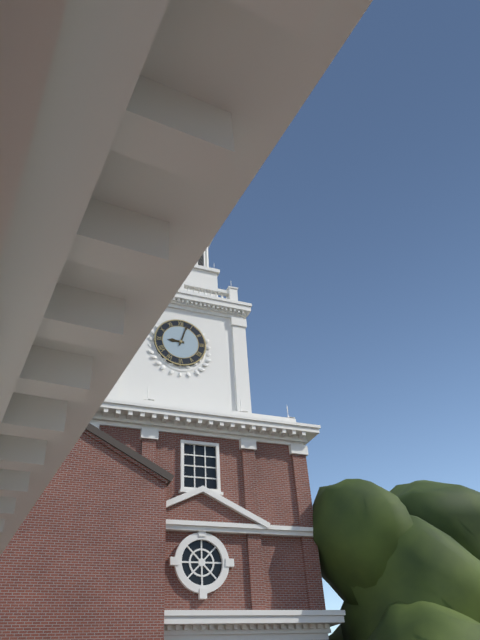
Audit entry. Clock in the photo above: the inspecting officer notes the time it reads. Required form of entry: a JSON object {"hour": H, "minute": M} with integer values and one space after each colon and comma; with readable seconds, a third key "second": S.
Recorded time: {"hour": 9, "minute": 3}
